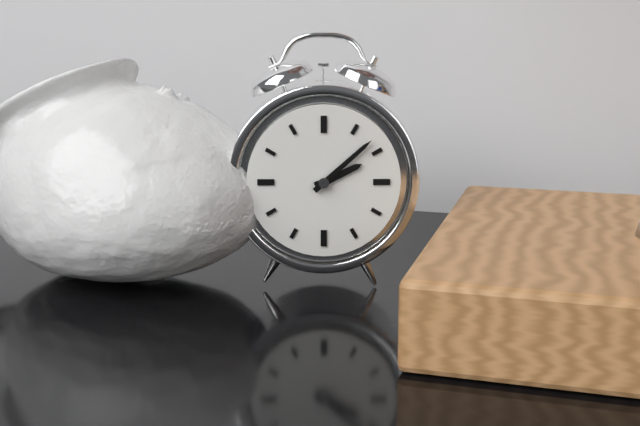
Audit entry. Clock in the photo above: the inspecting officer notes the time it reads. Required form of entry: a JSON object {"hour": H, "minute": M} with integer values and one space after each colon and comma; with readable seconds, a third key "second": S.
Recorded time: {"hour": 2, "minute": 8}
